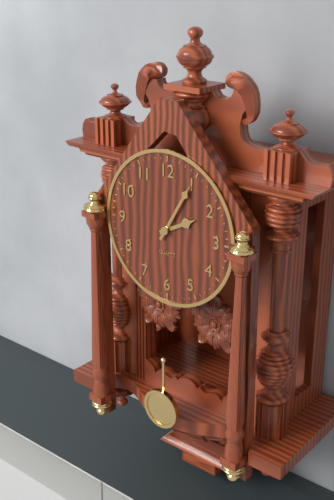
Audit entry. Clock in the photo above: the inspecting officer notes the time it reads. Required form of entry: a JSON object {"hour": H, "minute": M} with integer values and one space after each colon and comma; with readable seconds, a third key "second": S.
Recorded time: {"hour": 2, "minute": 5}
